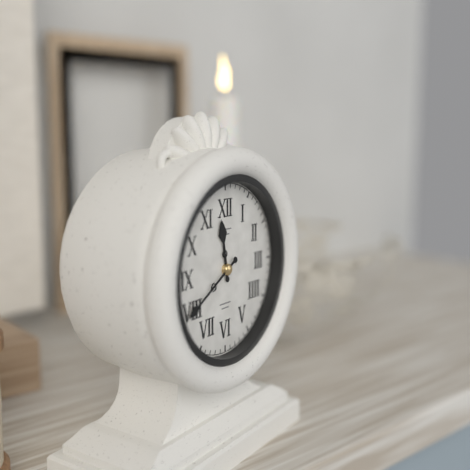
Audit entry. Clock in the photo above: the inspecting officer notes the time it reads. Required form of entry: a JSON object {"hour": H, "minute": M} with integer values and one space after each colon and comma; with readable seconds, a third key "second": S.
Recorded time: {"hour": 11, "minute": 40}
